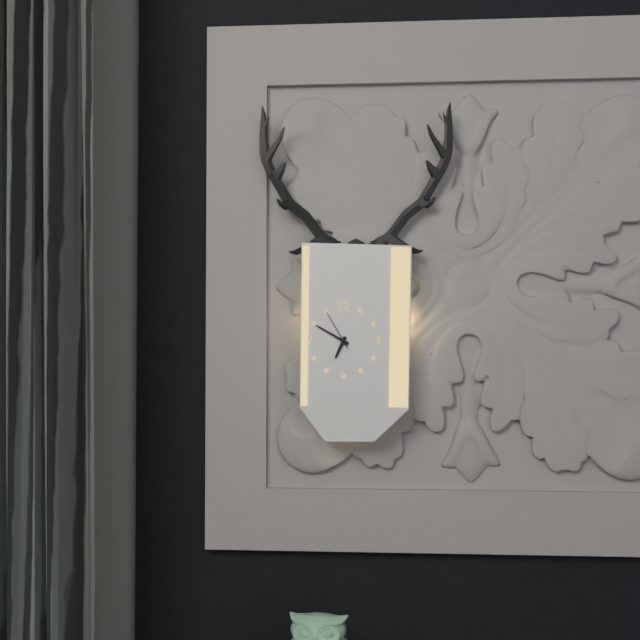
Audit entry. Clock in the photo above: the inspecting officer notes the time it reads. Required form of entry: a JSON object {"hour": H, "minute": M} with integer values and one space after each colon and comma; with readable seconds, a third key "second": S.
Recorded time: {"hour": 6, "minute": 50}
